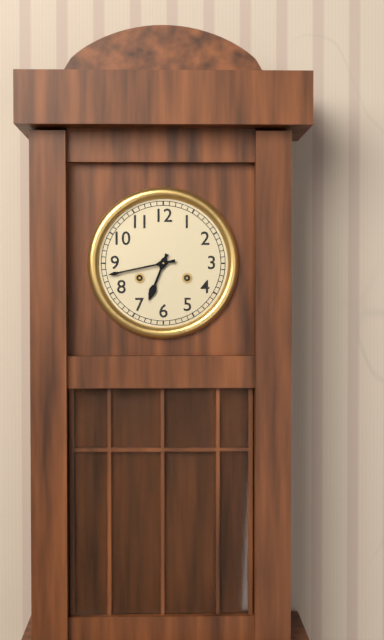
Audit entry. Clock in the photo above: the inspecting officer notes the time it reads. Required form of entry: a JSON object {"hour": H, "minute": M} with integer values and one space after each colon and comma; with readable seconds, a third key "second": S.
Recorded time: {"hour": 6, "minute": 43}
